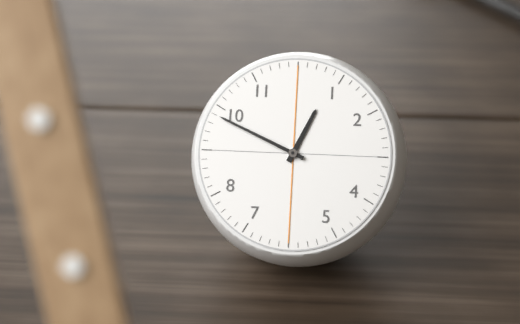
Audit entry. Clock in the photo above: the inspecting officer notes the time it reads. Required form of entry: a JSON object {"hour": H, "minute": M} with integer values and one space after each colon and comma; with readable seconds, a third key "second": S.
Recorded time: {"hour": 12, "minute": 49}
